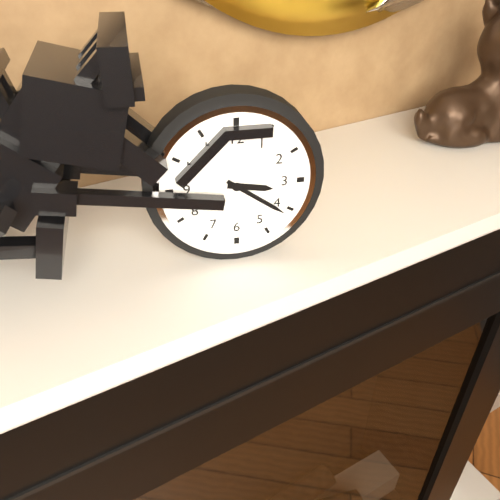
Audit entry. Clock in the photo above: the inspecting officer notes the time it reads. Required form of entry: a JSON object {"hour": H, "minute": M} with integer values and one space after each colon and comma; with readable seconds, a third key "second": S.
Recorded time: {"hour": 3, "minute": 21}
